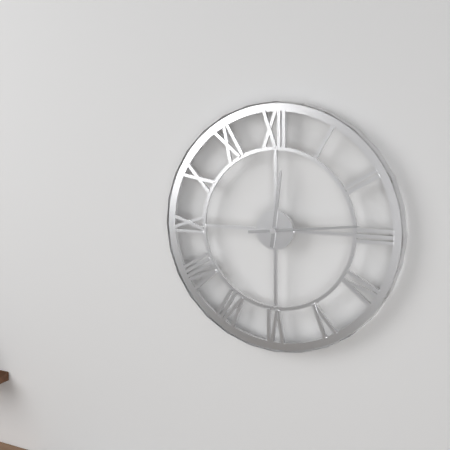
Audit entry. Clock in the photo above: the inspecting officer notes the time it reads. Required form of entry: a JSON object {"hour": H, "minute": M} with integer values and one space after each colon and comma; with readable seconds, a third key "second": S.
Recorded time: {"hour": 12, "minute": 14}
